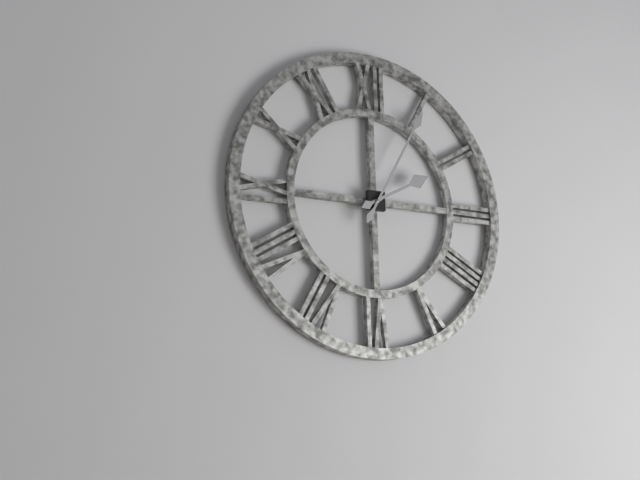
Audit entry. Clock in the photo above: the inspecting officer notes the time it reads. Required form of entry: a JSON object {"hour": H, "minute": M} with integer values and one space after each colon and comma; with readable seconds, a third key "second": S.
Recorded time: {"hour": 2, "minute": 5}
